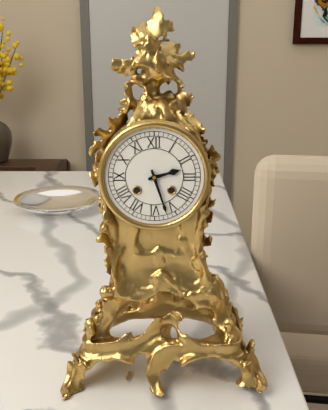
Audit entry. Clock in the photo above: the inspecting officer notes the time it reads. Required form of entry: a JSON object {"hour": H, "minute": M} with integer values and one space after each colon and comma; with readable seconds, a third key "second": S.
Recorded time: {"hour": 2, "minute": 27}
